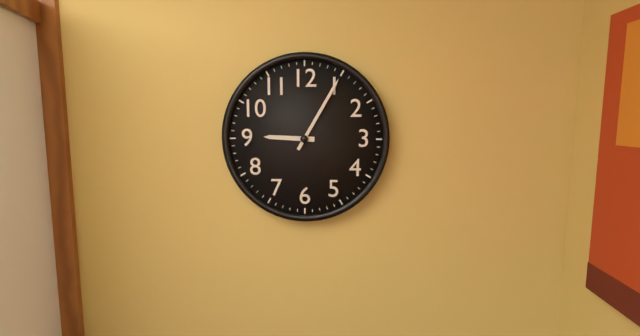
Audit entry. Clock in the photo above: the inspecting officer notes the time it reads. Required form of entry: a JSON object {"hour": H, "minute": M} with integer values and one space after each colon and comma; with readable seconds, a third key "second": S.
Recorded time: {"hour": 9, "minute": 5}
